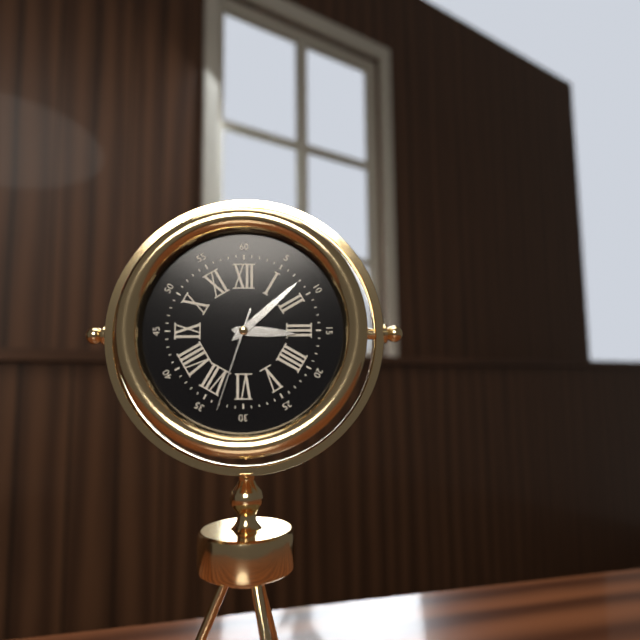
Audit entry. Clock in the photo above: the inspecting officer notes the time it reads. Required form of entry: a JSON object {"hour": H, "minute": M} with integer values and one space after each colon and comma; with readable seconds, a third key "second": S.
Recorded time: {"hour": 3, "minute": 8, "second": 33}
